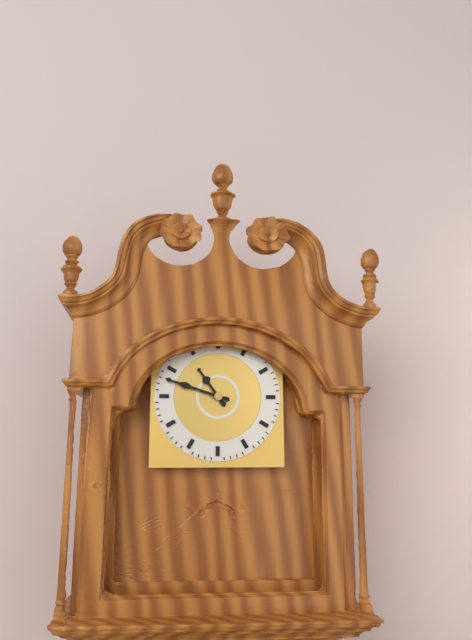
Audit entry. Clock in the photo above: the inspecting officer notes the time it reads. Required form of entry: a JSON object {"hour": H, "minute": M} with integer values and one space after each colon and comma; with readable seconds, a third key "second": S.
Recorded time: {"hour": 10, "minute": 48}
